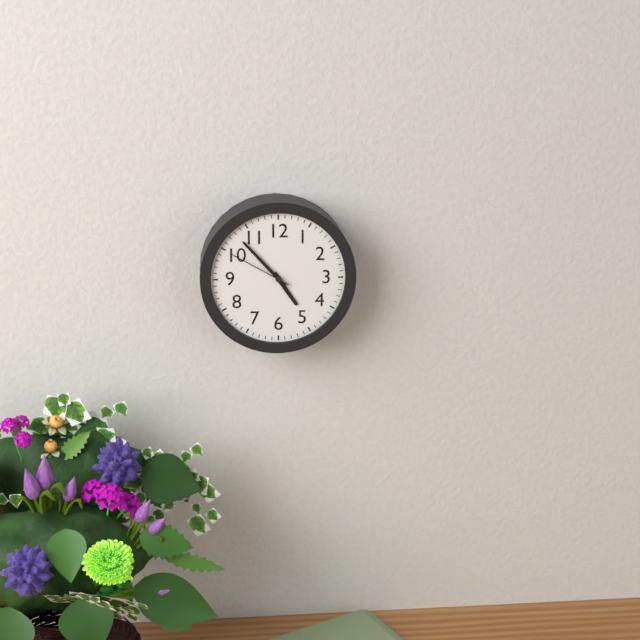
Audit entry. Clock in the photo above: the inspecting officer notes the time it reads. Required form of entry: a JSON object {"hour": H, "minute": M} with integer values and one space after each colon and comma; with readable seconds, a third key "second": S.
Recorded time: {"hour": 4, "minute": 53, "second": 50}
